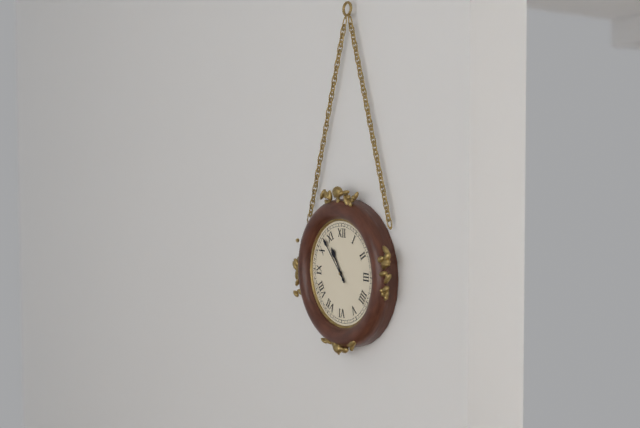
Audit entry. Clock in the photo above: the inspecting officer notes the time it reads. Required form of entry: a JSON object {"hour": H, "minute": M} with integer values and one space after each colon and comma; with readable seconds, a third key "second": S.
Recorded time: {"hour": 10, "minute": 53}
